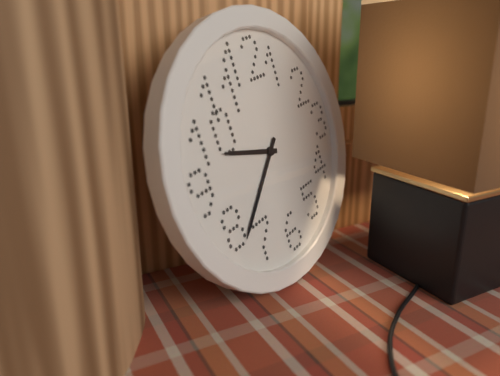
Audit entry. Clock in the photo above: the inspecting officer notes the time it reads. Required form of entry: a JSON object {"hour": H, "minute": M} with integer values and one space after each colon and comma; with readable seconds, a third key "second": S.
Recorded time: {"hour": 9, "minute": 38}
